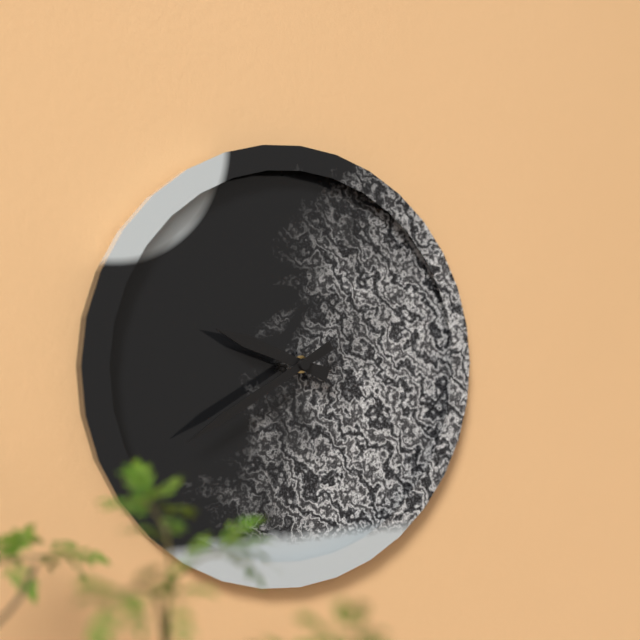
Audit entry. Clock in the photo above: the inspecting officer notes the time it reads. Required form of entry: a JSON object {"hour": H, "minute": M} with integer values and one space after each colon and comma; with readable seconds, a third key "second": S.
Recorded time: {"hour": 9, "minute": 40}
